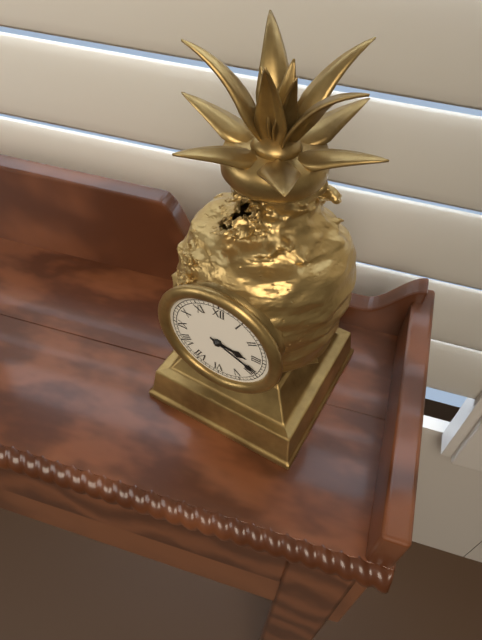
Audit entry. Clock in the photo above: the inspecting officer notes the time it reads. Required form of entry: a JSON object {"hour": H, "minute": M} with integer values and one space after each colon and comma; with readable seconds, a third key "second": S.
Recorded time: {"hour": 3, "minute": 19}
